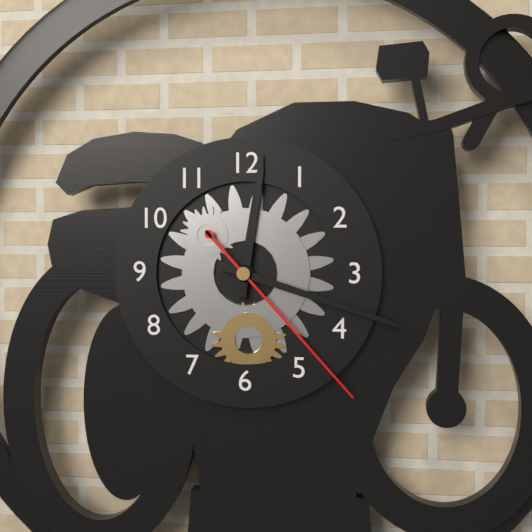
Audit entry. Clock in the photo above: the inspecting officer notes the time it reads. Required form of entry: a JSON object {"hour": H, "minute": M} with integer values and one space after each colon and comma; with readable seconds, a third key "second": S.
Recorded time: {"hour": 12, "minute": 18, "second": 23}
